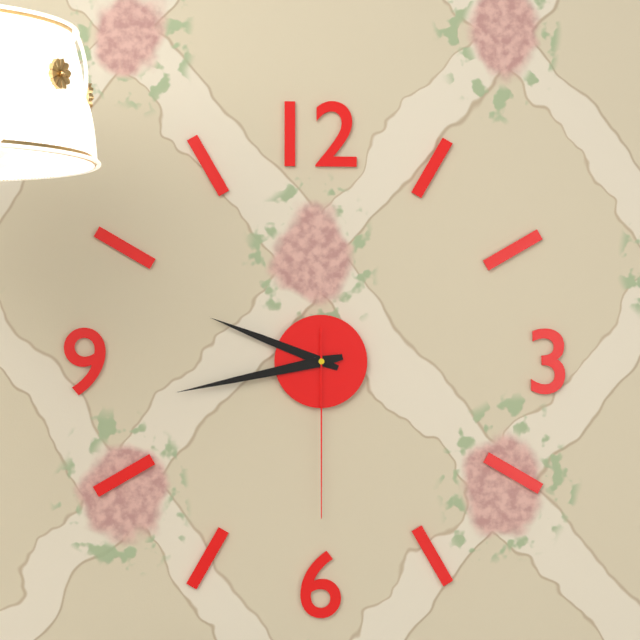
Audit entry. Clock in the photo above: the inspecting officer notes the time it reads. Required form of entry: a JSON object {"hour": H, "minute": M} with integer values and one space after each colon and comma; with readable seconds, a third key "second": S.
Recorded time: {"hour": 9, "minute": 43, "second": 30}
